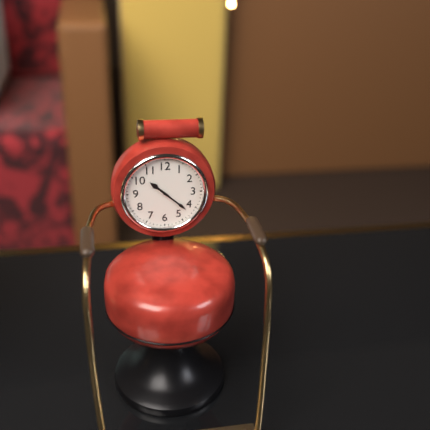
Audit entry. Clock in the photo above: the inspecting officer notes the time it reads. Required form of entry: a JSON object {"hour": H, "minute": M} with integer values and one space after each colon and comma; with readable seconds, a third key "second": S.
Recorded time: {"hour": 10, "minute": 22}
